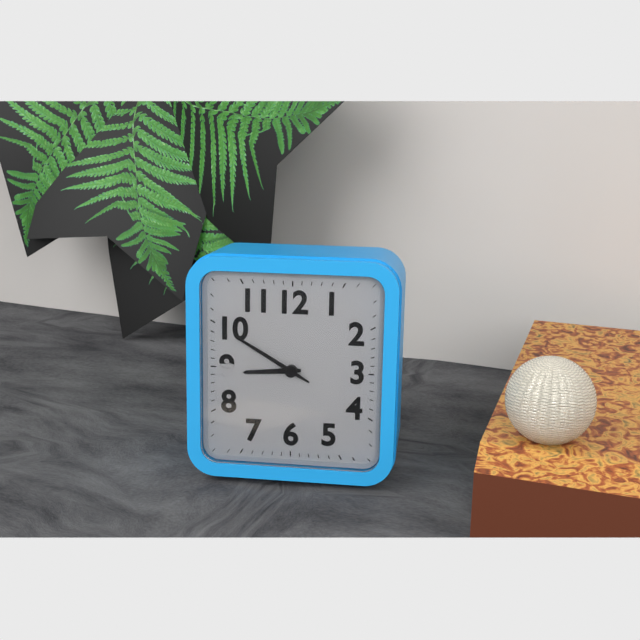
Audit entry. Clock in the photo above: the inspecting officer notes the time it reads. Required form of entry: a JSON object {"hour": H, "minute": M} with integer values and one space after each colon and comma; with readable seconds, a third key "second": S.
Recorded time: {"hour": 8, "minute": 50}
